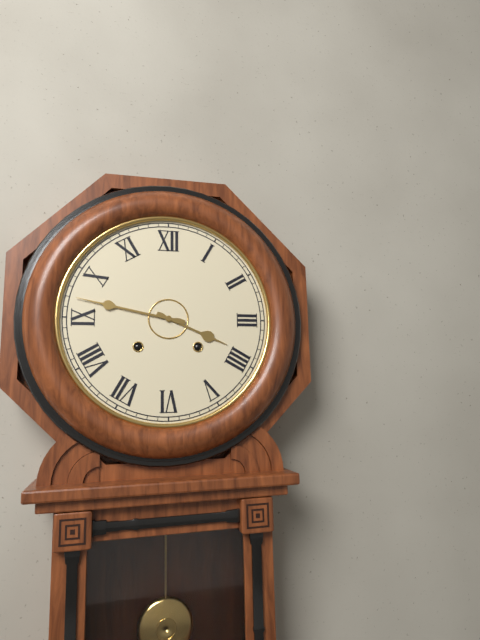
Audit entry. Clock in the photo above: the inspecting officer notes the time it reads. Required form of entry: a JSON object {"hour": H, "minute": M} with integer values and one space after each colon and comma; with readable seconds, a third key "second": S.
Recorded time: {"hour": 3, "minute": 47}
